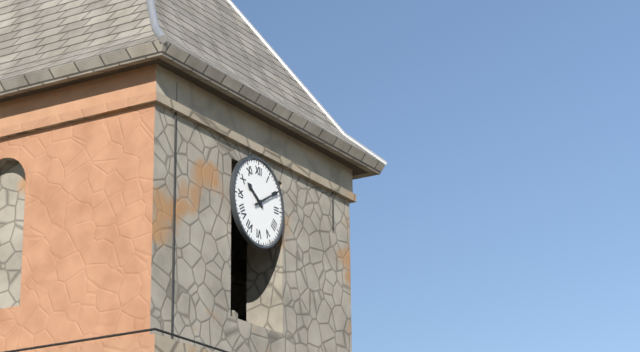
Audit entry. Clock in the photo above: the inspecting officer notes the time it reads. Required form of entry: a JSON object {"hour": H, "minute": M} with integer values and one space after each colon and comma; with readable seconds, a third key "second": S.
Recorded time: {"hour": 10, "minute": 10}
